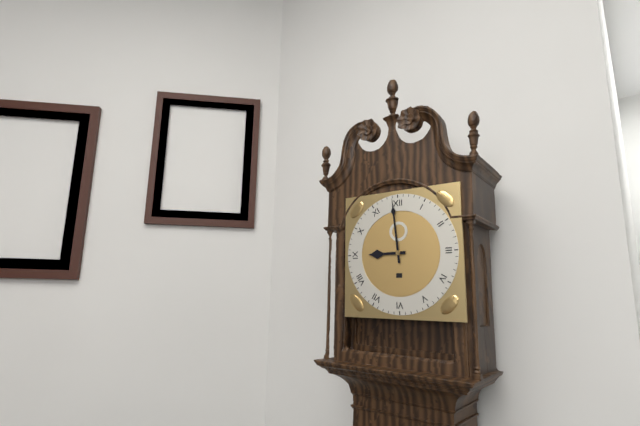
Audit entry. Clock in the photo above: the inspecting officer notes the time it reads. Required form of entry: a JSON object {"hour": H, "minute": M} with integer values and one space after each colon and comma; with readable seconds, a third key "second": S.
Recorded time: {"hour": 8, "minute": 59}
